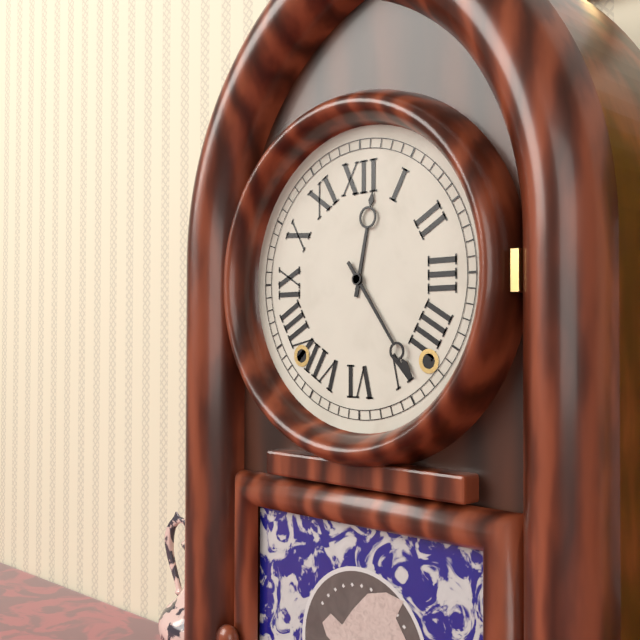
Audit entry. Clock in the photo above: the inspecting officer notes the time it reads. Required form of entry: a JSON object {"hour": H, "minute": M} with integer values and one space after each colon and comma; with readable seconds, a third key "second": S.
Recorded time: {"hour": 12, "minute": 24}
